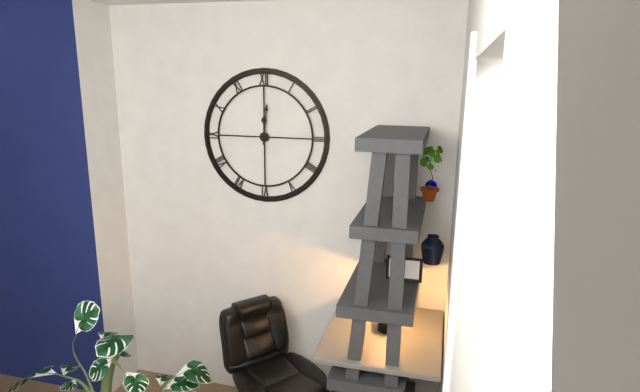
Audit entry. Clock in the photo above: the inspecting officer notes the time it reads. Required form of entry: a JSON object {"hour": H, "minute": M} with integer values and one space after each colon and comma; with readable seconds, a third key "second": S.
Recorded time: {"hour": 12, "minute": 1}
